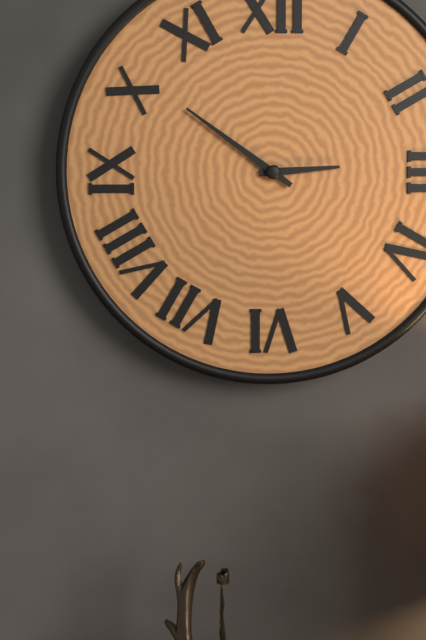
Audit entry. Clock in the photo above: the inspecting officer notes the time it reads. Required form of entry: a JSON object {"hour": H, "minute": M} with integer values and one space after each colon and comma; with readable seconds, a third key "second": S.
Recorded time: {"hour": 2, "minute": 51}
